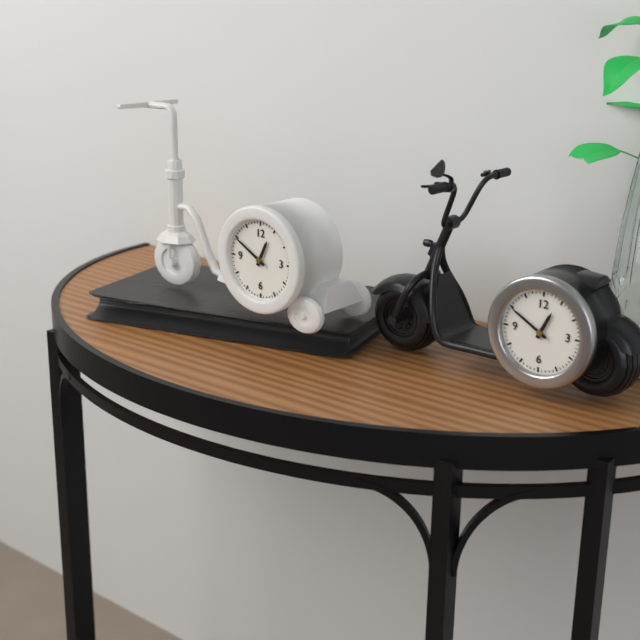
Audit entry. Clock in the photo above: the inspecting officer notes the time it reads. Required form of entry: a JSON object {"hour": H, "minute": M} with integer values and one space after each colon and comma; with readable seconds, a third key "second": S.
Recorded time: {"hour": 12, "minute": 50}
